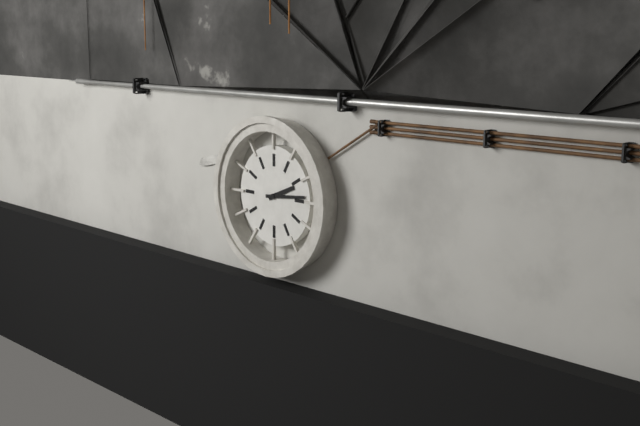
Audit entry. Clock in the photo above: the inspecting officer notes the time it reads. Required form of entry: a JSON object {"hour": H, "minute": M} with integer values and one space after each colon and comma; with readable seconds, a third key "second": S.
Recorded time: {"hour": 2, "minute": 14}
